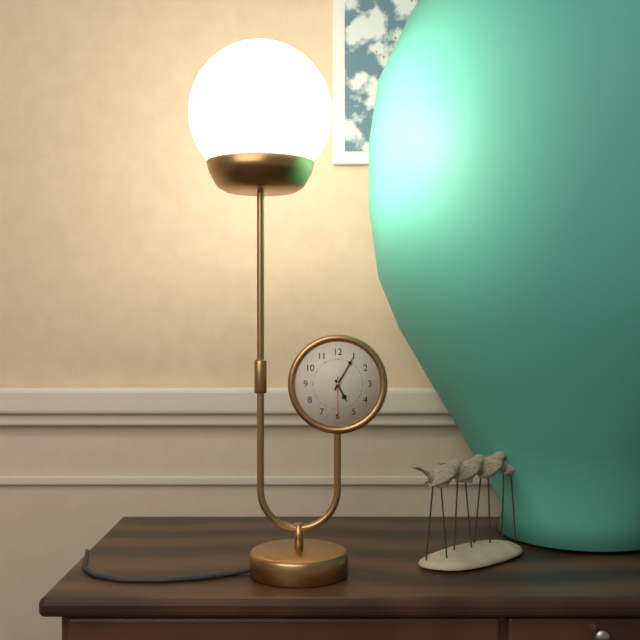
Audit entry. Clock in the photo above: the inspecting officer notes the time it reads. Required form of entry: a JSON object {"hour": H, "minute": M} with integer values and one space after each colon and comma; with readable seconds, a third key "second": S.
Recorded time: {"hour": 5, "minute": 5}
